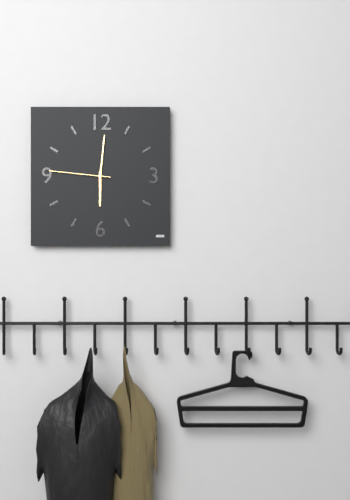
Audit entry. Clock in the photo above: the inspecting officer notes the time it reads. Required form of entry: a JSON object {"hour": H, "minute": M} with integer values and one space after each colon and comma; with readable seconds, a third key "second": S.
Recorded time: {"hour": 6, "minute": 1, "second": 46}
